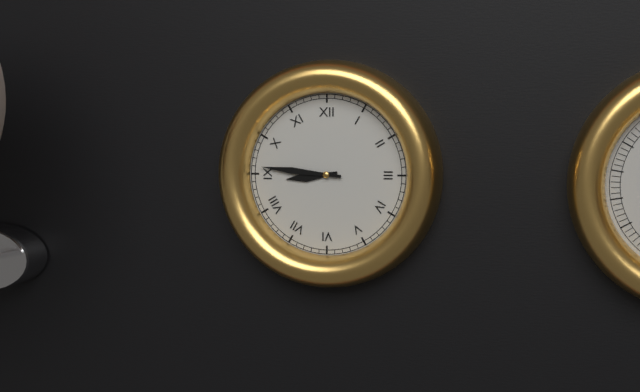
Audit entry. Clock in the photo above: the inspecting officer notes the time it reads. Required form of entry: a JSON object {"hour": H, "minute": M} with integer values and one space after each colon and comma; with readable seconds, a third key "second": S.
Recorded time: {"hour": 8, "minute": 46}
